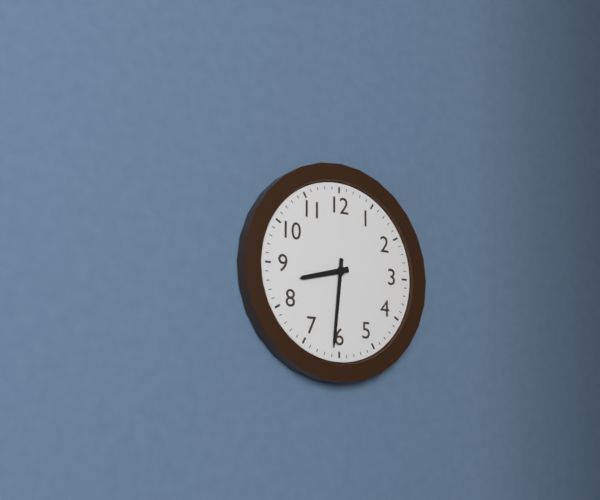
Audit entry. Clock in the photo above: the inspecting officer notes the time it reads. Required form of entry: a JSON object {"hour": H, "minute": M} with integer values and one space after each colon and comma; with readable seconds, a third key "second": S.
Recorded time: {"hour": 8, "minute": 31}
